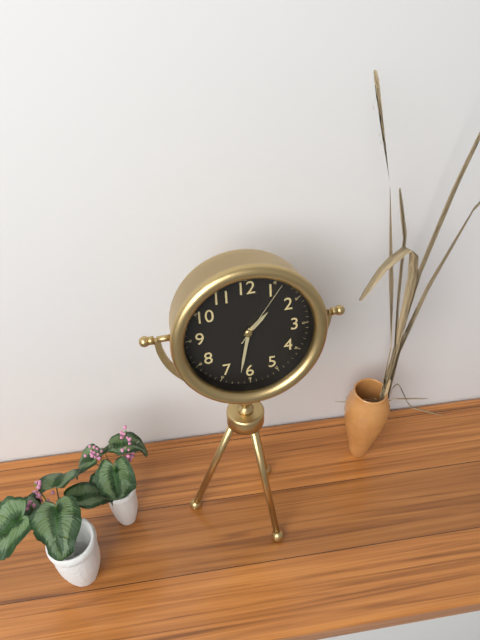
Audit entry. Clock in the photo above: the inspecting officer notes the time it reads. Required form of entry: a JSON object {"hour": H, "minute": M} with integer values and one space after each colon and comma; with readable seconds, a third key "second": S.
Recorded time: {"hour": 1, "minute": 32, "second": 6}
